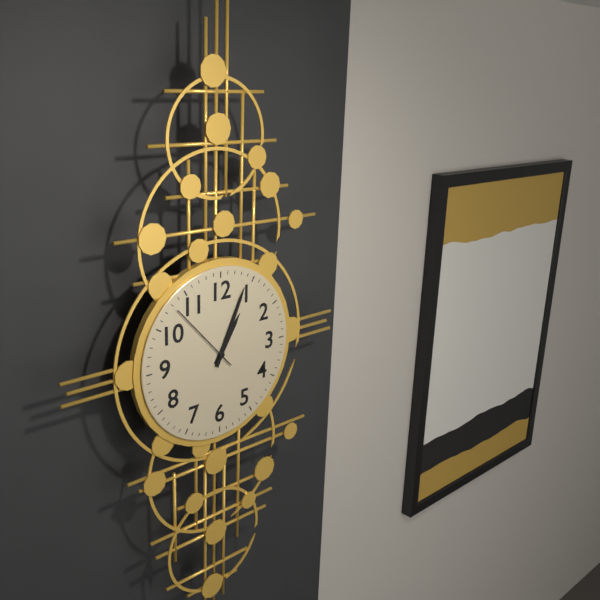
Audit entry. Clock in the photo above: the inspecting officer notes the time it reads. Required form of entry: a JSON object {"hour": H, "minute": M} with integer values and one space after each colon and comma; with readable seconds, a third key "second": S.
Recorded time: {"hour": 1, "minute": 4, "second": 53}
